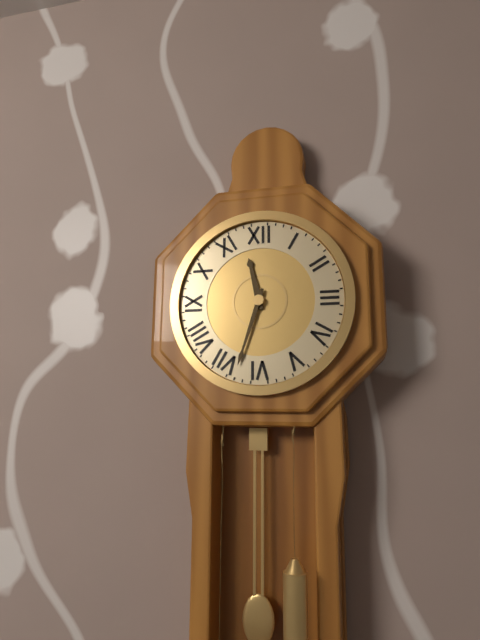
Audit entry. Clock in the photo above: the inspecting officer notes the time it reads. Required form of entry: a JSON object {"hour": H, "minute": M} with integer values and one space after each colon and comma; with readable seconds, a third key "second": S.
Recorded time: {"hour": 11, "minute": 33}
